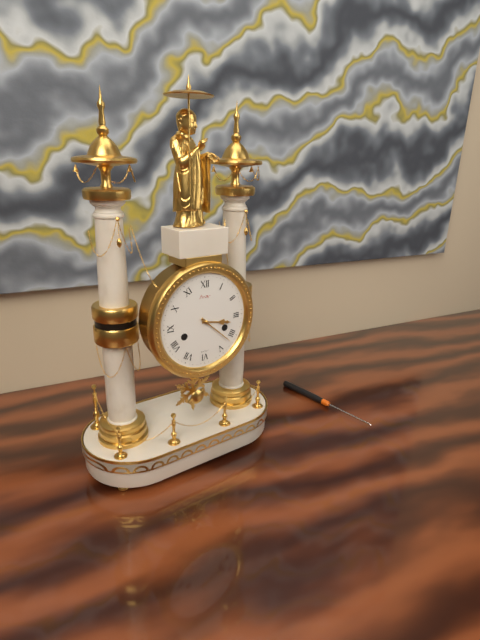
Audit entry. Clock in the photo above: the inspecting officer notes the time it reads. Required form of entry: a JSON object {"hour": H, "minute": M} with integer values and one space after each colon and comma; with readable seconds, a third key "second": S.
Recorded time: {"hour": 3, "minute": 22}
